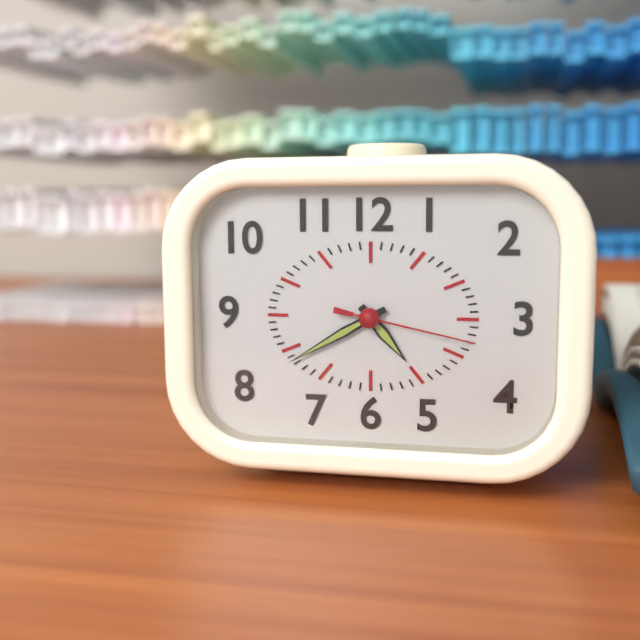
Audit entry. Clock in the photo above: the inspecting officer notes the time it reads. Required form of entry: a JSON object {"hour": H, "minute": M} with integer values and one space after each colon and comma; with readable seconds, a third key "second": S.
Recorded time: {"hour": 4, "minute": 40, "second": 17}
